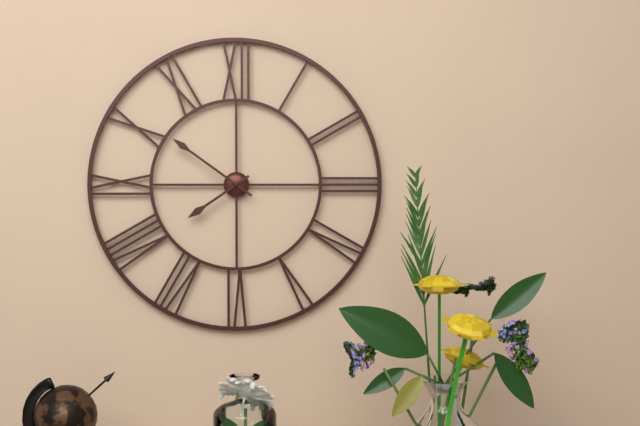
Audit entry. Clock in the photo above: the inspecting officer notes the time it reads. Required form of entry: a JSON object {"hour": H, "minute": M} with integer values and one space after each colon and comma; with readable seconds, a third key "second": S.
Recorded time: {"hour": 7, "minute": 51}
